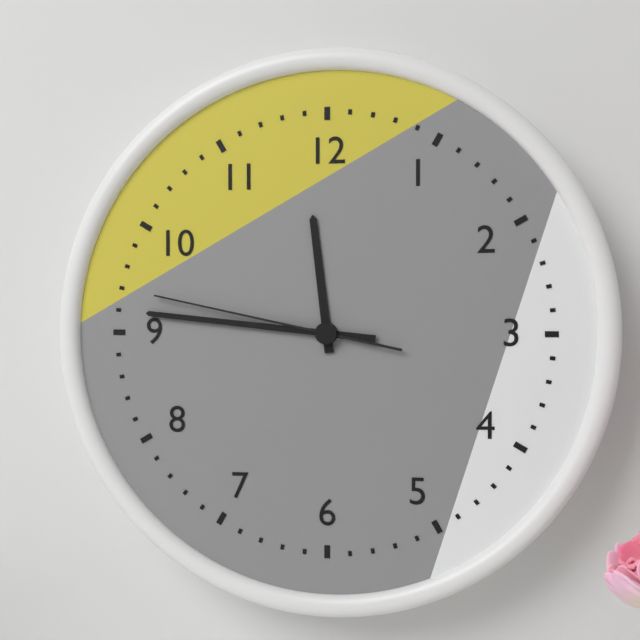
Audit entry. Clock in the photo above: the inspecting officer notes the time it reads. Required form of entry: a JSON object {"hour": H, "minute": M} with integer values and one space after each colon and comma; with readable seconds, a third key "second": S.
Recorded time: {"hour": 11, "minute": 46, "second": 47}
